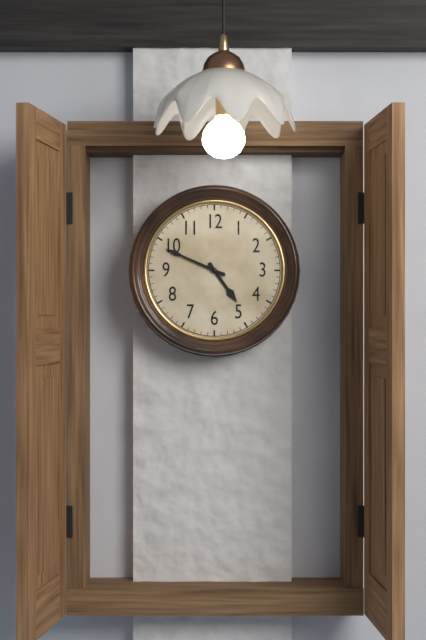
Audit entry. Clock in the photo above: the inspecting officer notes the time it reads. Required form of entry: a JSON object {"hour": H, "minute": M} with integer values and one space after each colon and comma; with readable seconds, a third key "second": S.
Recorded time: {"hour": 4, "minute": 49}
